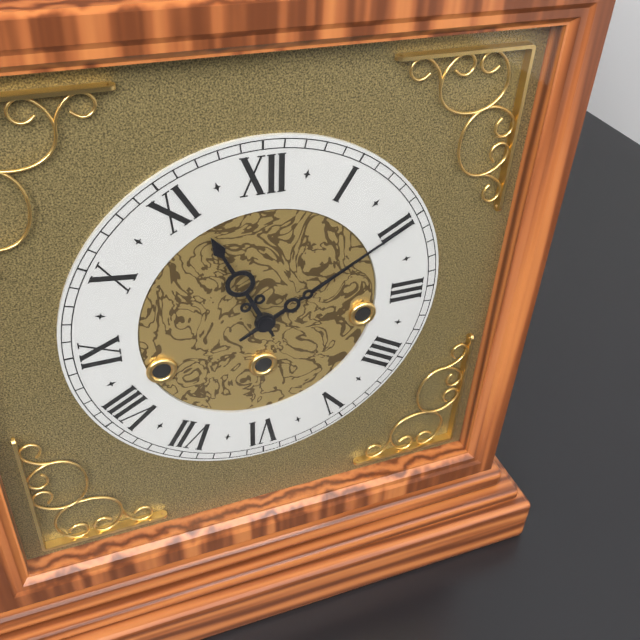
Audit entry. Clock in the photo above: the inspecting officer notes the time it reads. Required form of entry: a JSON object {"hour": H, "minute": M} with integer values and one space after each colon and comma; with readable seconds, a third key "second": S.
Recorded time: {"hour": 11, "minute": 10}
